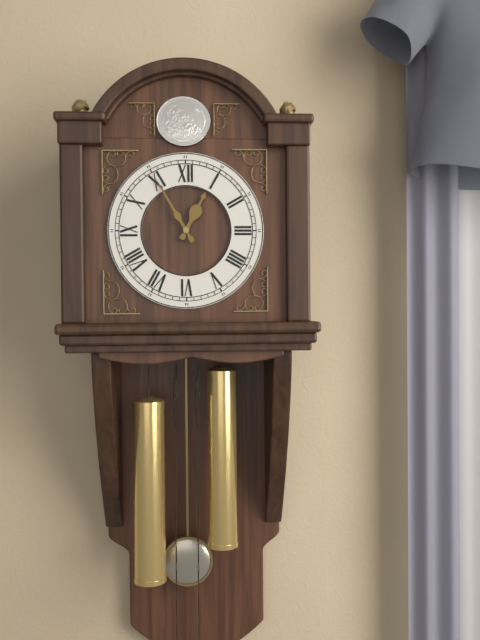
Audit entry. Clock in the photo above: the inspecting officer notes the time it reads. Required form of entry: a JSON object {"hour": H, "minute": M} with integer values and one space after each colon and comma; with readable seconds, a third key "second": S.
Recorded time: {"hour": 12, "minute": 55}
